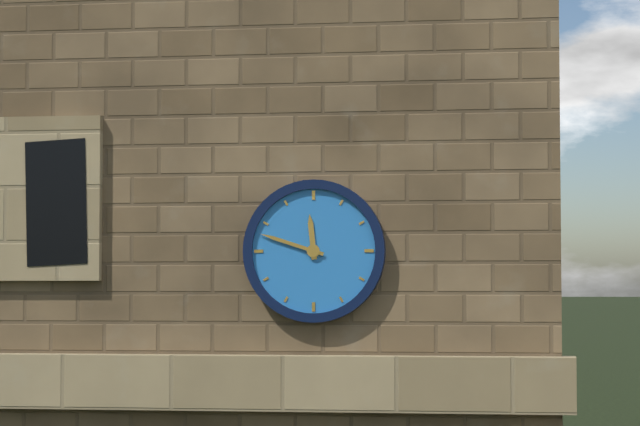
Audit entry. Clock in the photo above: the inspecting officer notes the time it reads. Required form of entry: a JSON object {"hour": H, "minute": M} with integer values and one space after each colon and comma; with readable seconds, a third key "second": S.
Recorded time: {"hour": 11, "minute": 48}
